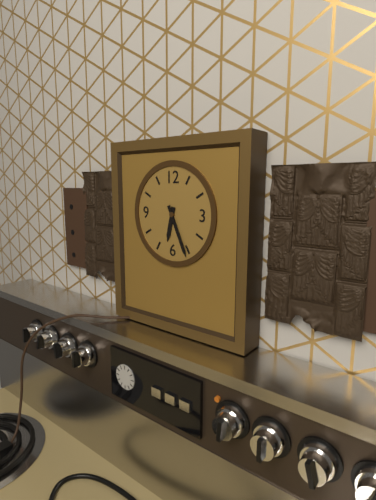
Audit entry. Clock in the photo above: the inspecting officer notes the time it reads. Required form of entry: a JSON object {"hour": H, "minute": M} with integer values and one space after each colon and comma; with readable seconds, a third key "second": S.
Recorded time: {"hour": 6, "minute": 26}
